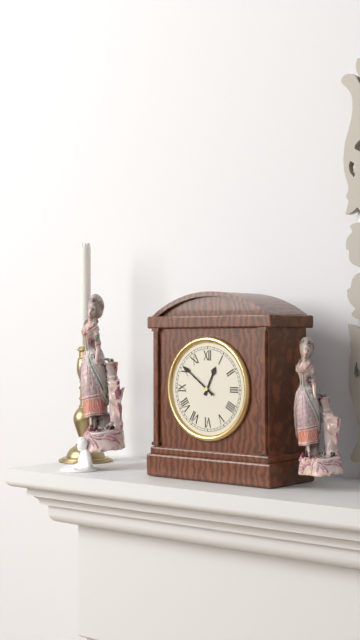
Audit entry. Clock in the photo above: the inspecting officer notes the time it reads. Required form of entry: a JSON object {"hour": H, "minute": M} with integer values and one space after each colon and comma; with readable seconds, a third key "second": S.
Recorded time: {"hour": 12, "minute": 51}
